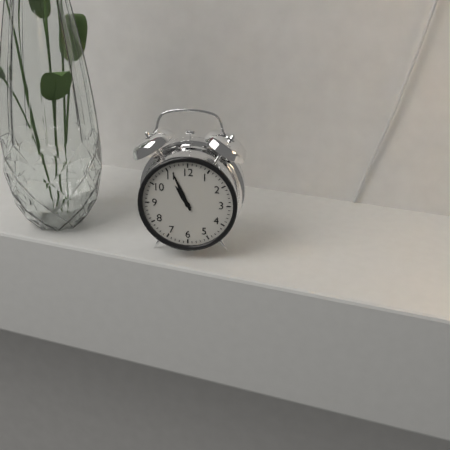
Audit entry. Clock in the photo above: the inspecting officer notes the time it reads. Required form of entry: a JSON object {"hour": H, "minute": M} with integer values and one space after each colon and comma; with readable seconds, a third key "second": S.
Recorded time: {"hour": 10, "minute": 56}
